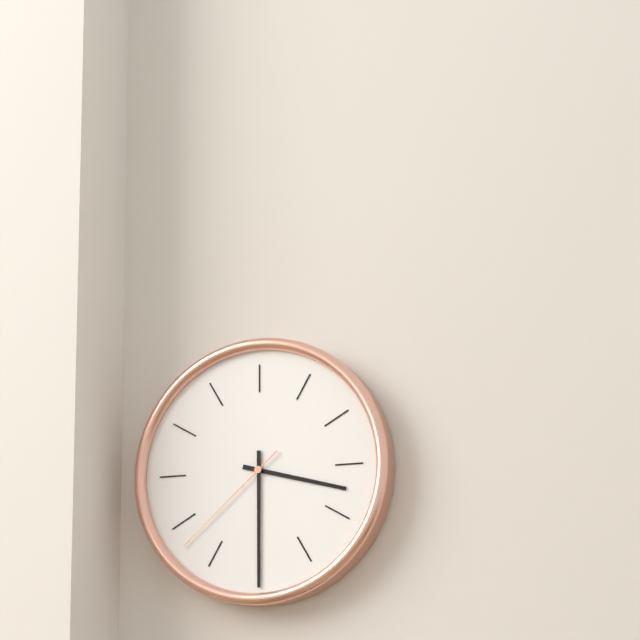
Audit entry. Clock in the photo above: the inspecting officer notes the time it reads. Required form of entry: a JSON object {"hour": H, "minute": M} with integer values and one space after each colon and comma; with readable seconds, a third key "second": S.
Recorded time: {"hour": 3, "minute": 30, "second": 38}
